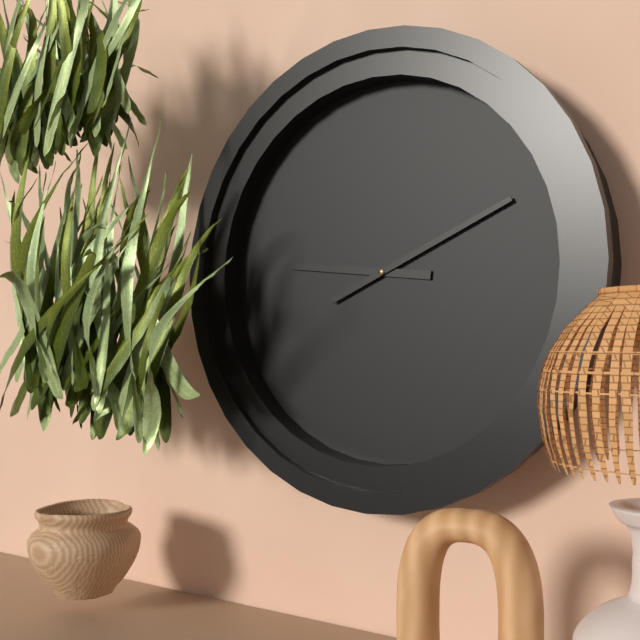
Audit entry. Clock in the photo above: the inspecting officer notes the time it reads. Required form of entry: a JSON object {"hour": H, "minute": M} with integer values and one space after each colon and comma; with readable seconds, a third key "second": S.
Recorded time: {"hour": 9, "minute": 11}
